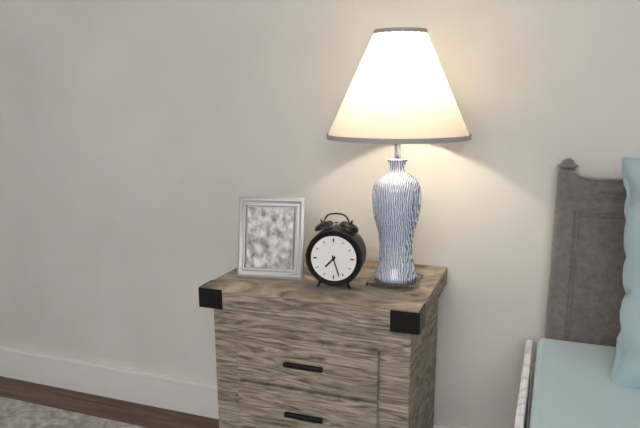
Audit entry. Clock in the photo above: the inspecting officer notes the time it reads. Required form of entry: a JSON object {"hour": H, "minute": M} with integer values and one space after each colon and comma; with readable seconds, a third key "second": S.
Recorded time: {"hour": 7, "minute": 27}
